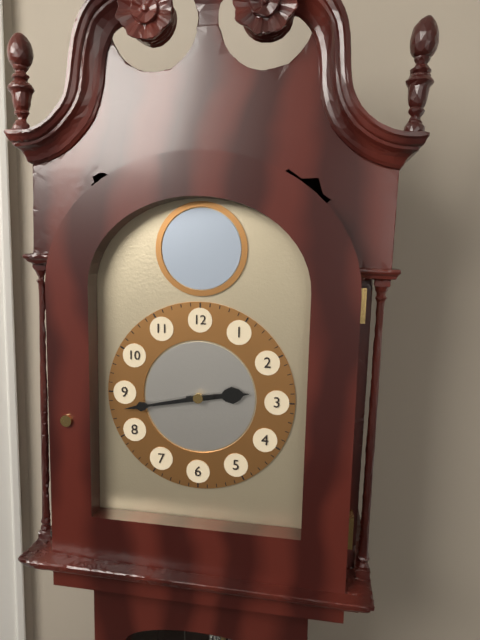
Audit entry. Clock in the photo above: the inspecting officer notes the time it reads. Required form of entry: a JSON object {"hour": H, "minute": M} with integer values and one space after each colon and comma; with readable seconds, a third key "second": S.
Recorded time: {"hour": 2, "minute": 43}
